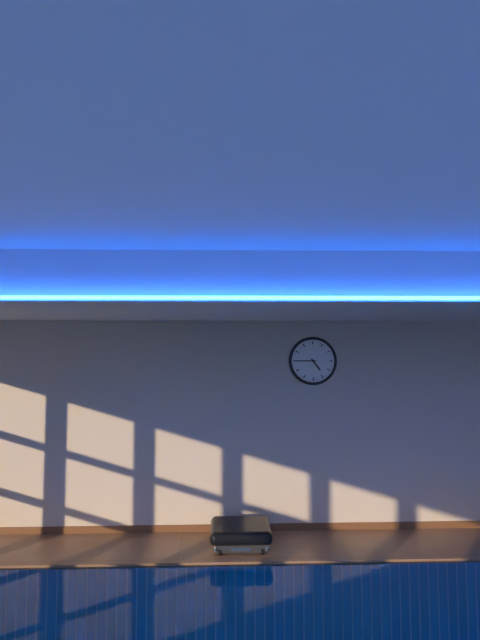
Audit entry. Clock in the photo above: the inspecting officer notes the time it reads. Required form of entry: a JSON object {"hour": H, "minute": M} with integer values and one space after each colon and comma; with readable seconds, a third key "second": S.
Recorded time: {"hour": 4, "minute": 45}
